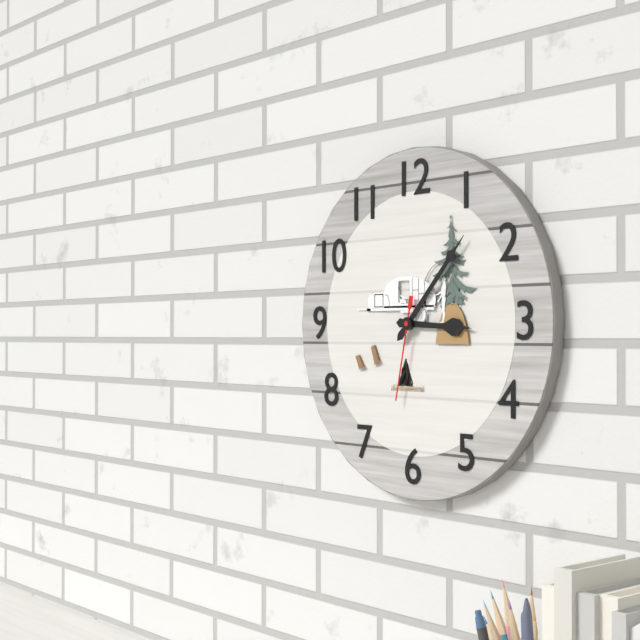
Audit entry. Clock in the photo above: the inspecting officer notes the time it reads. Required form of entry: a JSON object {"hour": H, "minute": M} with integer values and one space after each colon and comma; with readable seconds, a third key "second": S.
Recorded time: {"hour": 3, "minute": 7, "second": 32}
